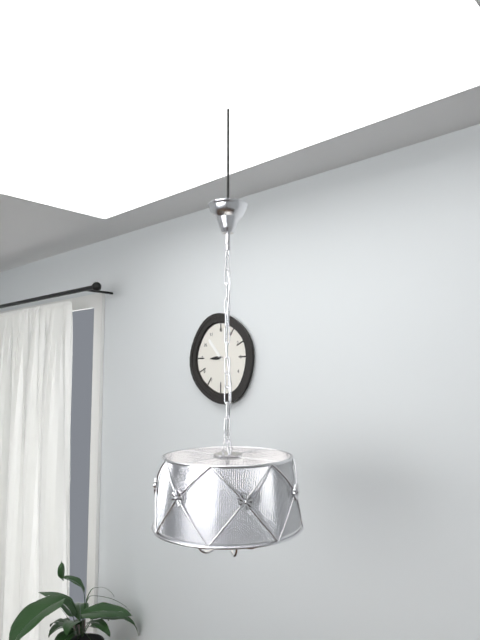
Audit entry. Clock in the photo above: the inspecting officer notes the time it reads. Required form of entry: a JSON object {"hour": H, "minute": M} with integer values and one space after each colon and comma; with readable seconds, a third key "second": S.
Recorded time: {"hour": 8, "minute": 53}
